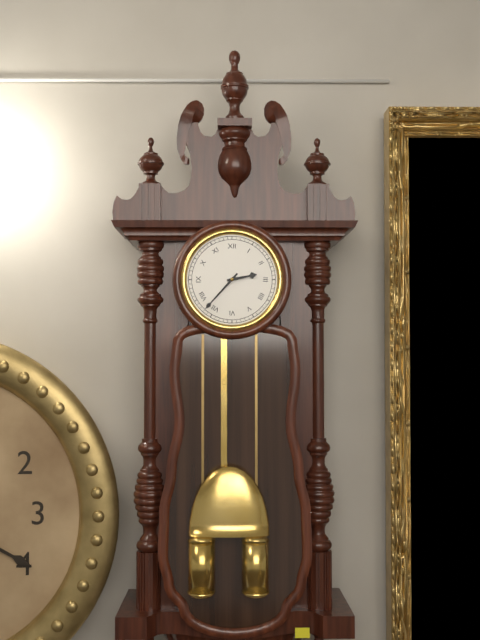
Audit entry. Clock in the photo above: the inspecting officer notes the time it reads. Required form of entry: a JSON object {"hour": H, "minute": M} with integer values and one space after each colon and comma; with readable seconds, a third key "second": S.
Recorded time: {"hour": 2, "minute": 37}
